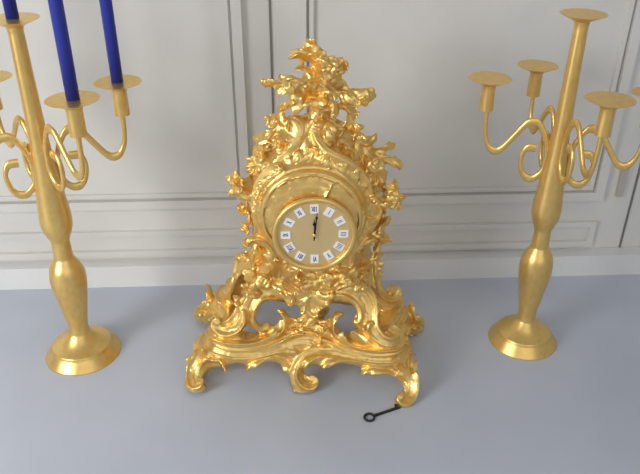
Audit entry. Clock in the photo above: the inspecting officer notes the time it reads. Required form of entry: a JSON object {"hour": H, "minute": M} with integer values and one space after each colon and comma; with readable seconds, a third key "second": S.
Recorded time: {"hour": 12, "minute": 1}
